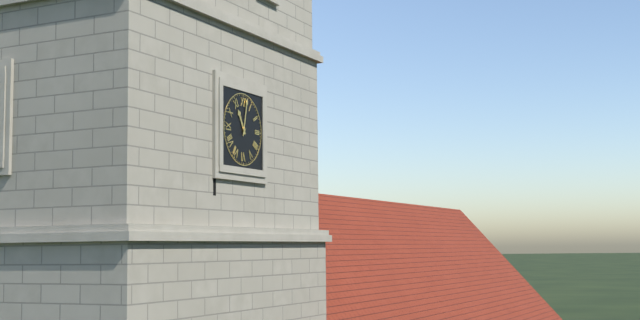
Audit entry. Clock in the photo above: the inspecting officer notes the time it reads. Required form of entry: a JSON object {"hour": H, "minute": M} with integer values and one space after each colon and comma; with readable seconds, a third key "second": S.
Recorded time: {"hour": 11, "minute": 2}
